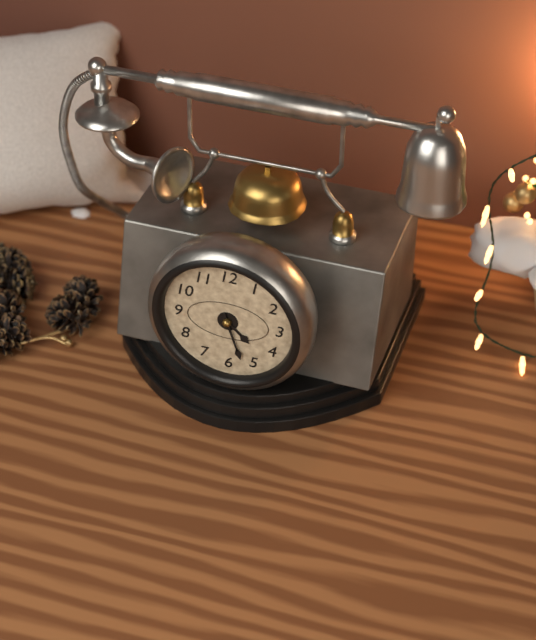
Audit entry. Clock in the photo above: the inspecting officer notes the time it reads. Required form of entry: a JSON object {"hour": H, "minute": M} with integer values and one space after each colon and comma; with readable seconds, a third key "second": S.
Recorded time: {"hour": 4, "minute": 27}
